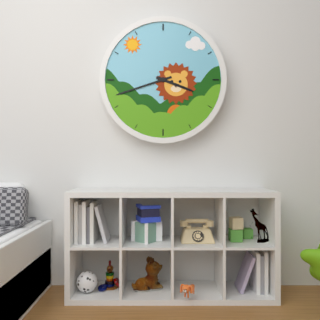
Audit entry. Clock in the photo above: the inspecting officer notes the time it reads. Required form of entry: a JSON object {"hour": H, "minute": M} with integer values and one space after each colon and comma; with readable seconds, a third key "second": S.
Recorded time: {"hour": 3, "minute": 42}
